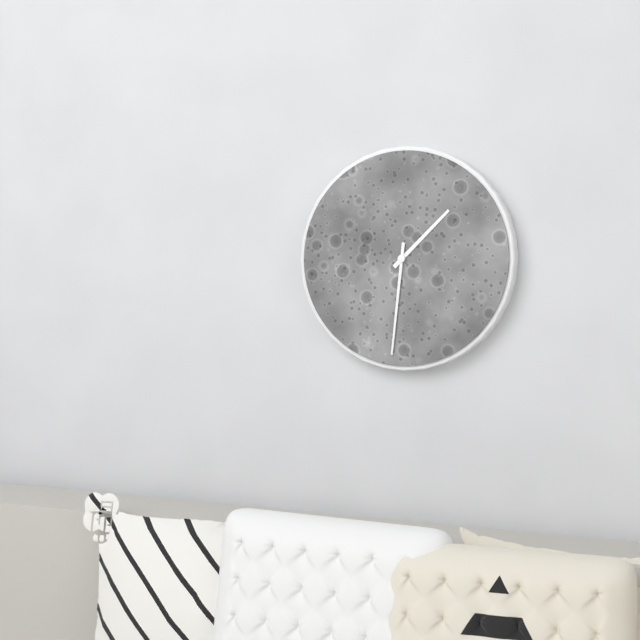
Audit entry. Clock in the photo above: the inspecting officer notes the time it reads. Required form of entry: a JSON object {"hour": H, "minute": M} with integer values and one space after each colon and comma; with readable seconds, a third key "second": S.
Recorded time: {"hour": 1, "minute": 31}
